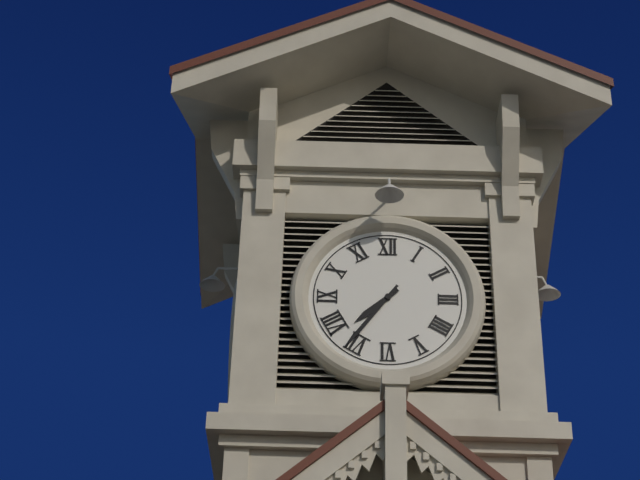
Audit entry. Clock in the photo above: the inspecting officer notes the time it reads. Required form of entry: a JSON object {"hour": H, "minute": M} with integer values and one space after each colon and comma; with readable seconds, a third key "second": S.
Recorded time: {"hour": 7, "minute": 36}
